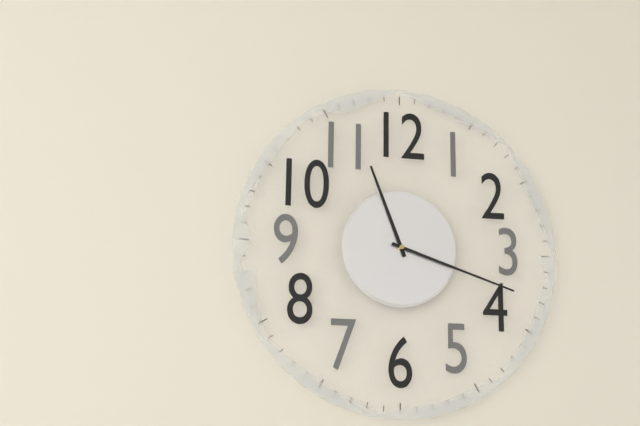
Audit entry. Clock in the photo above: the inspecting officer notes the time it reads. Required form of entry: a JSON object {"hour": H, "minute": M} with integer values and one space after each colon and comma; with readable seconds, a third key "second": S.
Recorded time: {"hour": 11, "minute": 18}
